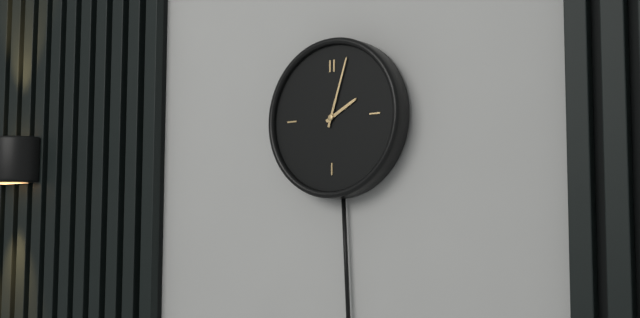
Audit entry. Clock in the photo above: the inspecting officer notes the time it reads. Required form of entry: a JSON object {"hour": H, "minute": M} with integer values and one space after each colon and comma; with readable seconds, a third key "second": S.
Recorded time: {"hour": 2, "minute": 3}
